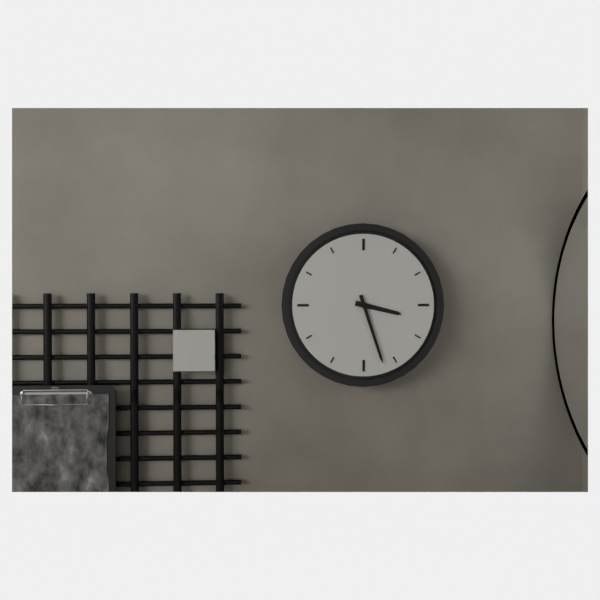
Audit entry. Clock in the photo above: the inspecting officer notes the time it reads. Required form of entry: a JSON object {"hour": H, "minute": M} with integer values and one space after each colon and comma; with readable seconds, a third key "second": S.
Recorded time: {"hour": 3, "minute": 27}
